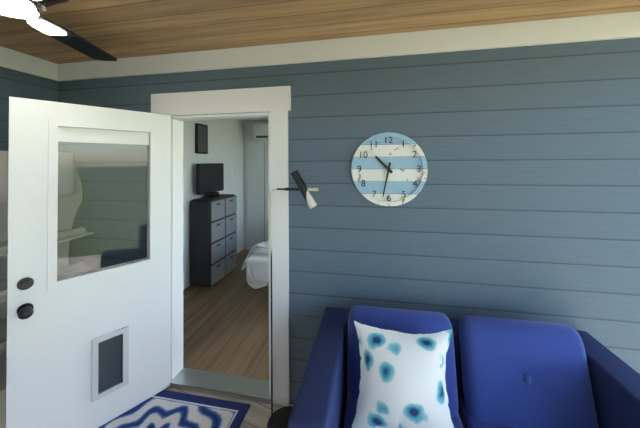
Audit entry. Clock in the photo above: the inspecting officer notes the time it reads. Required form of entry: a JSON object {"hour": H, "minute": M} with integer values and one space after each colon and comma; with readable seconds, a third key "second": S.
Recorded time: {"hour": 10, "minute": 32}
